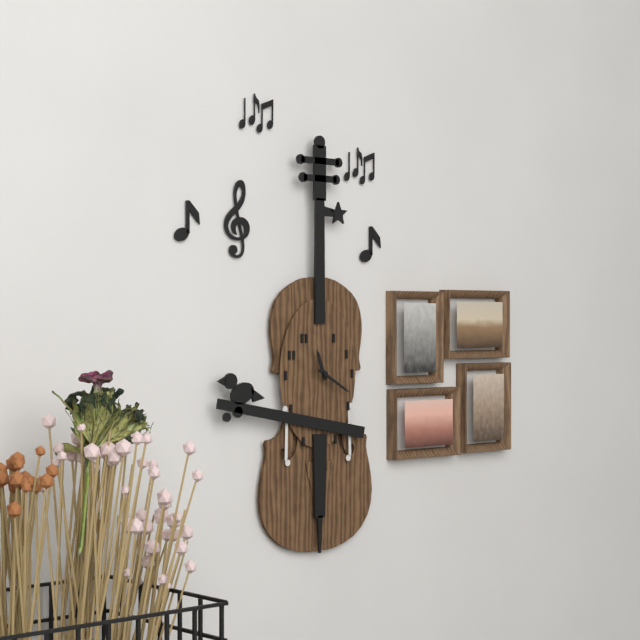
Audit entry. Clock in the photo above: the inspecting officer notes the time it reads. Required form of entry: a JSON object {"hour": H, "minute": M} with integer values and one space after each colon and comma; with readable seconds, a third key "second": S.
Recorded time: {"hour": 11, "minute": 20}
